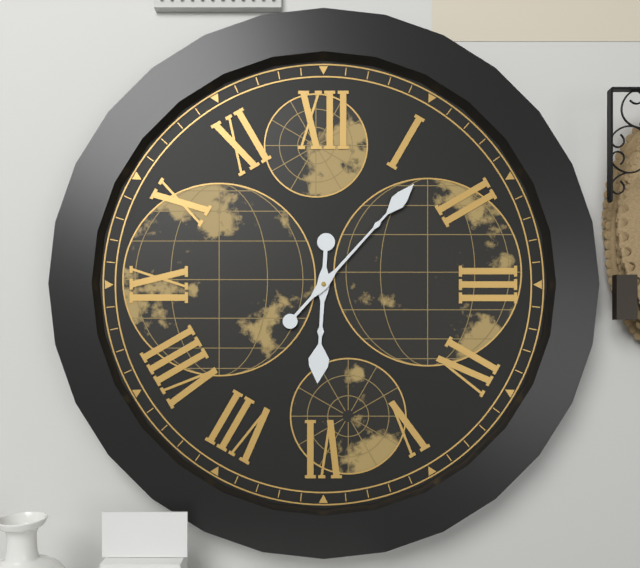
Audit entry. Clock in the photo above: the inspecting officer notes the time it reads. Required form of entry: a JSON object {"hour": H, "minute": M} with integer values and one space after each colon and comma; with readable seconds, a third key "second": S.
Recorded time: {"hour": 6, "minute": 7}
